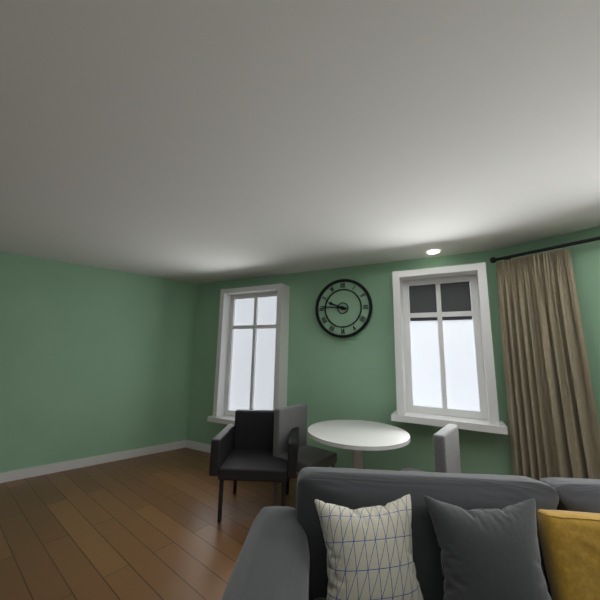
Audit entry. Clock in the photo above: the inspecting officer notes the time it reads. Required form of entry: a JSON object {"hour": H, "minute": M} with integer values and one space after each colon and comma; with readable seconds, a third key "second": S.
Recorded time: {"hour": 9, "minute": 46}
